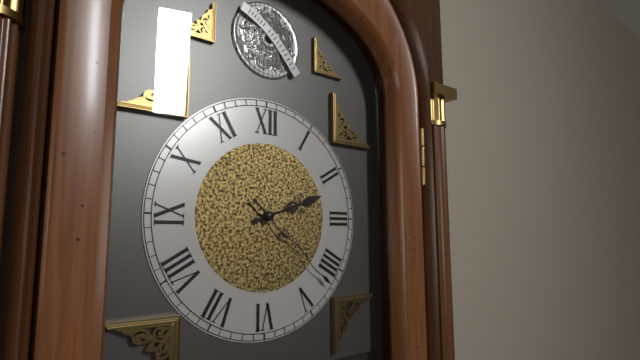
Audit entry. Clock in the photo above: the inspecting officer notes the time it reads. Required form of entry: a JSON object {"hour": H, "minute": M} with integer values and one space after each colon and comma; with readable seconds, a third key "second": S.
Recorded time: {"hour": 2, "minute": 22}
